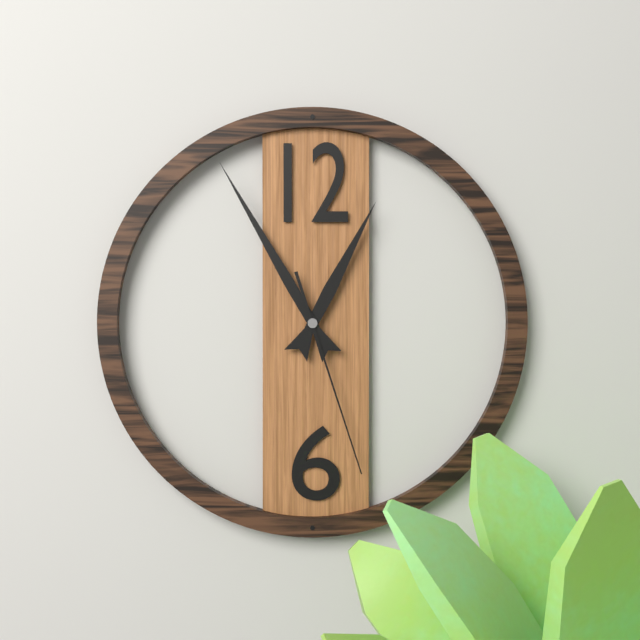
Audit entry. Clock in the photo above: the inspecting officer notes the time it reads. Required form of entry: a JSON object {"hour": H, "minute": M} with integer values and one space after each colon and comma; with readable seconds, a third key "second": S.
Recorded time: {"hour": 12, "minute": 55, "second": 27}
